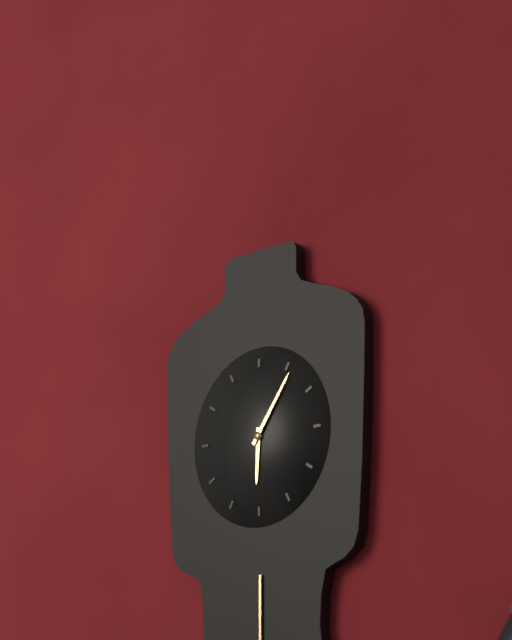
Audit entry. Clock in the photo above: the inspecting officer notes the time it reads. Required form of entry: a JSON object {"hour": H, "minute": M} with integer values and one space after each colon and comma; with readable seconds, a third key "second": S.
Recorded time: {"hour": 6, "minute": 6}
